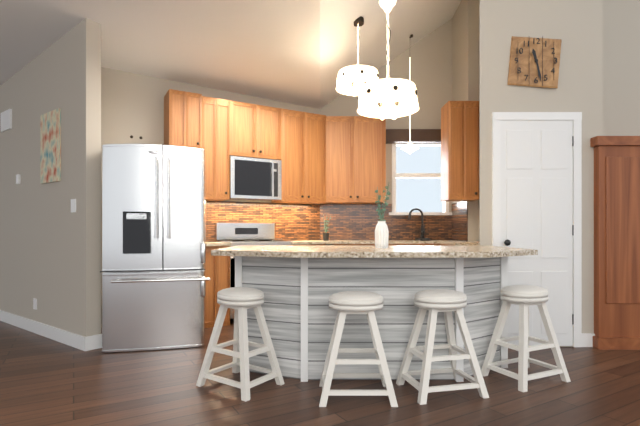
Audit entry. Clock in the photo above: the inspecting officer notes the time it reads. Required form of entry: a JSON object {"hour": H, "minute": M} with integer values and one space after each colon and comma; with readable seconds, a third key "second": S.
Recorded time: {"hour": 11, "minute": 28}
